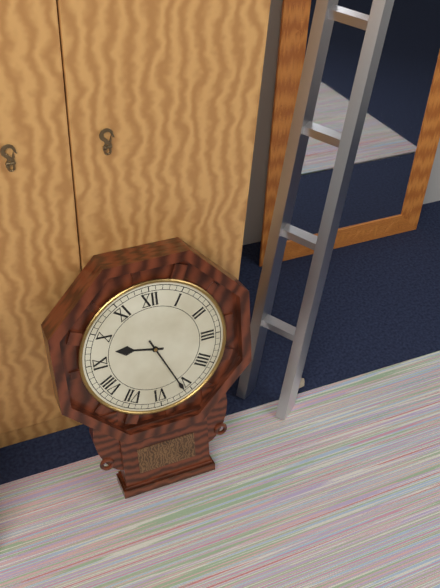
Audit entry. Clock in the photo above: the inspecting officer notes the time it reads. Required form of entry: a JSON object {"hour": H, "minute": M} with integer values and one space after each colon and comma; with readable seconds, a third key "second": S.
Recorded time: {"hour": 9, "minute": 26}
